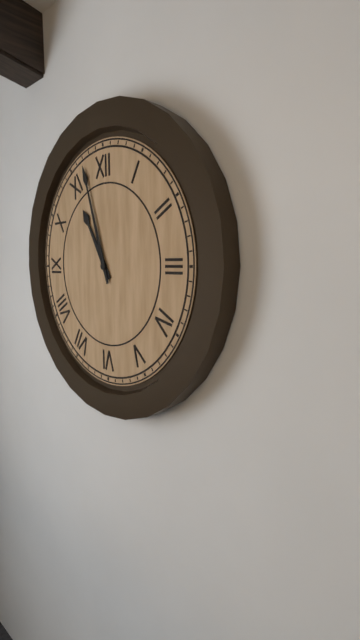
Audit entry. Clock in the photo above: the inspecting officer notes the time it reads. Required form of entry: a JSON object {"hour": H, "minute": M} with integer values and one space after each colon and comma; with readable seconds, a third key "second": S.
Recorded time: {"hour": 10, "minute": 57}
